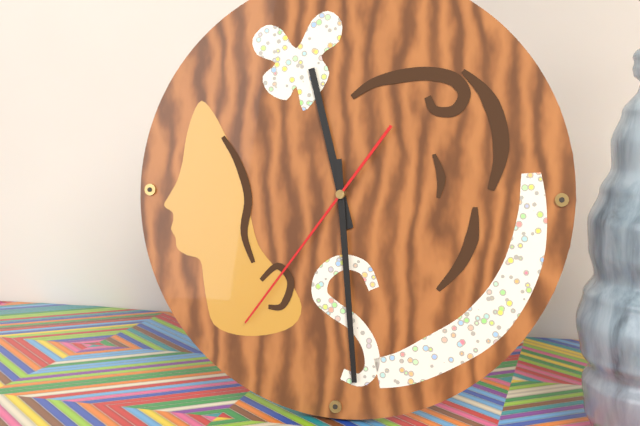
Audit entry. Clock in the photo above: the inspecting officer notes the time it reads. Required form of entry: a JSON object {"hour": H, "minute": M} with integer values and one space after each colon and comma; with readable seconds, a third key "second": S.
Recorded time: {"hour": 11, "minute": 29, "second": 36}
